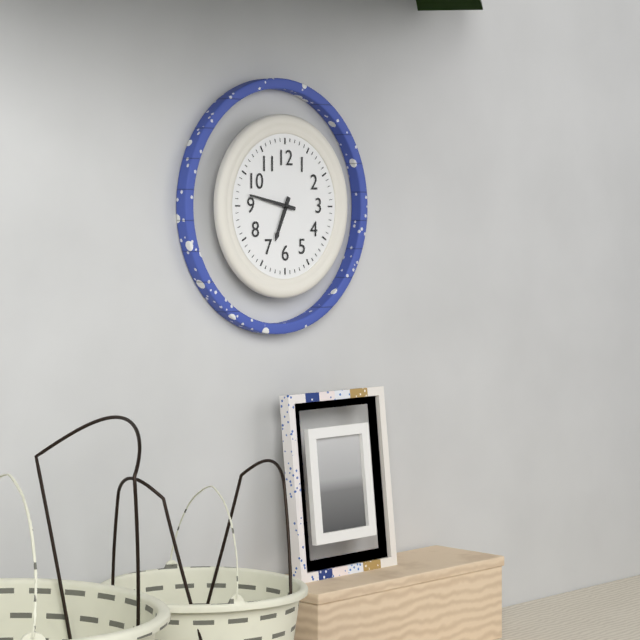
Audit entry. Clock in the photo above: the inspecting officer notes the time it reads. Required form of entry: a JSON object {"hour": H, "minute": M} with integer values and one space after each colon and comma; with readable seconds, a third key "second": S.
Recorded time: {"hour": 6, "minute": 47}
